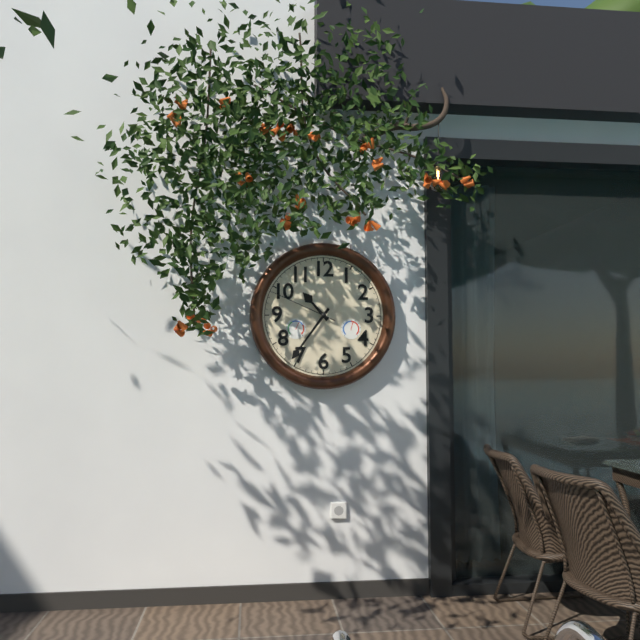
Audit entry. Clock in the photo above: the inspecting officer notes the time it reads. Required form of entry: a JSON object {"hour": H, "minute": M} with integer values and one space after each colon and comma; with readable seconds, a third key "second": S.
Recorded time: {"hour": 10, "minute": 36, "second": 49}
